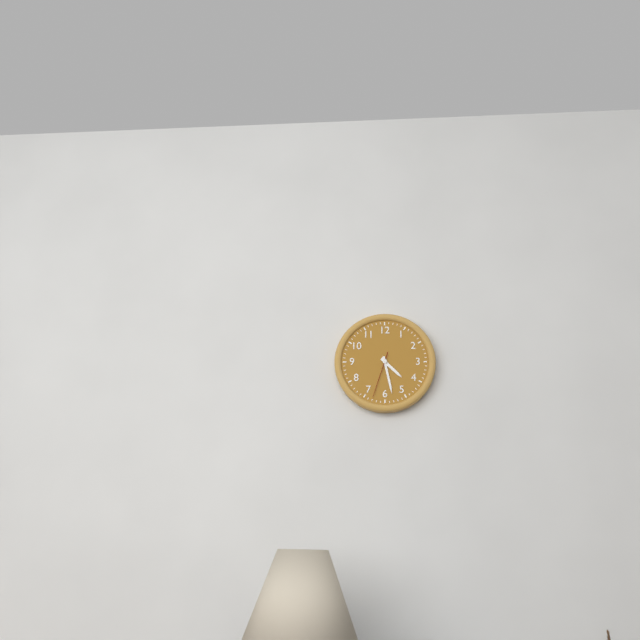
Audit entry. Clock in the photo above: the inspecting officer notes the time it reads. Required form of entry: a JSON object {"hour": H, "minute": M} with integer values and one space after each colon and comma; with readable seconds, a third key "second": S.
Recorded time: {"hour": 4, "minute": 28}
